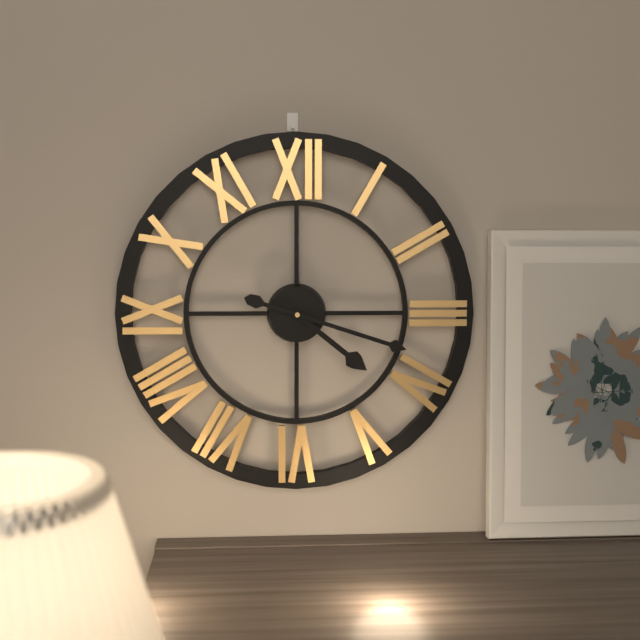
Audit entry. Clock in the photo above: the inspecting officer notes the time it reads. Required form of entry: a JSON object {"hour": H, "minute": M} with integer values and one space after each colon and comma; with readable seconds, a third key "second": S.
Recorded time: {"hour": 4, "minute": 18}
